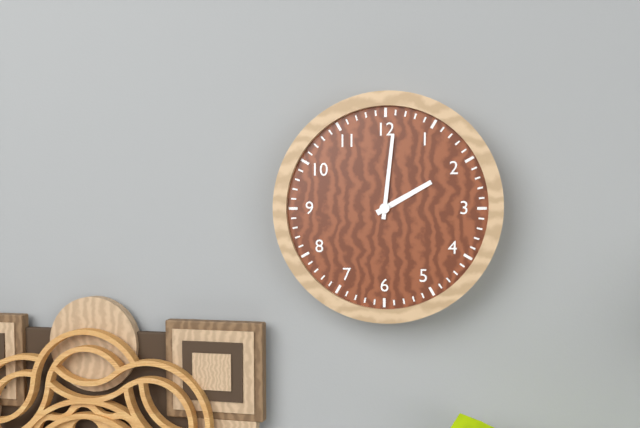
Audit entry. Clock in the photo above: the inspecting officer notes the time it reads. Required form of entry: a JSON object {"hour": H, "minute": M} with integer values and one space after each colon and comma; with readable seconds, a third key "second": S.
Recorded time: {"hour": 2, "minute": 1}
